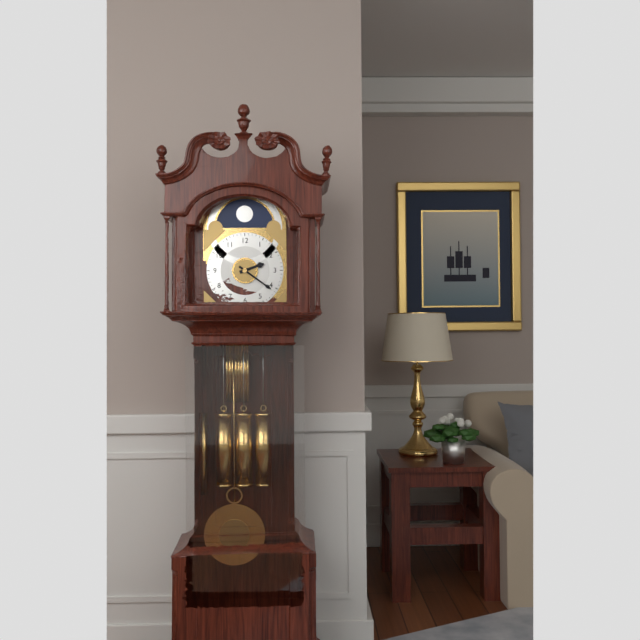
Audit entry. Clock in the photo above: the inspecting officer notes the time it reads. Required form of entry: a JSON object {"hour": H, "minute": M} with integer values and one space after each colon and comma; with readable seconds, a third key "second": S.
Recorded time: {"hour": 2, "minute": 21}
